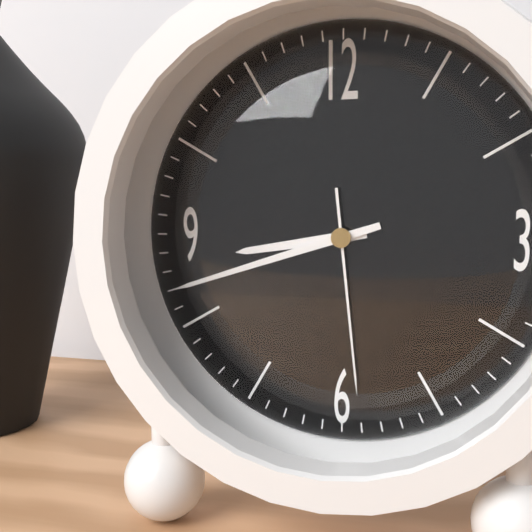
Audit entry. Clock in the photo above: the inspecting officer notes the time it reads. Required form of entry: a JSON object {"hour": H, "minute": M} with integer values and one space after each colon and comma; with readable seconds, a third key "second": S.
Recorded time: {"hour": 8, "minute": 42, "second": 29}
